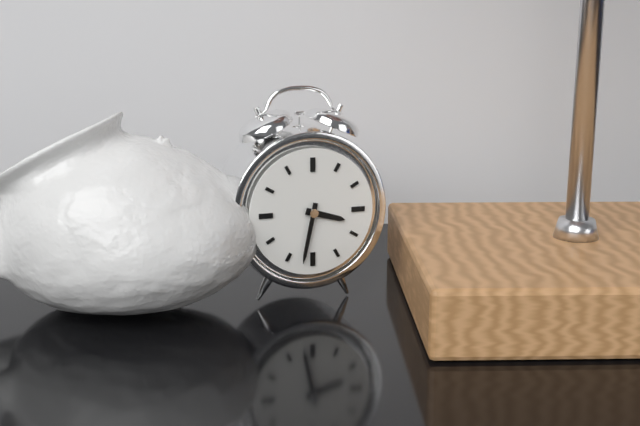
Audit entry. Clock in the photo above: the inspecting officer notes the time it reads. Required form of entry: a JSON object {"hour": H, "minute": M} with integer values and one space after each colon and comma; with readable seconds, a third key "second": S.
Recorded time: {"hour": 3, "minute": 32}
